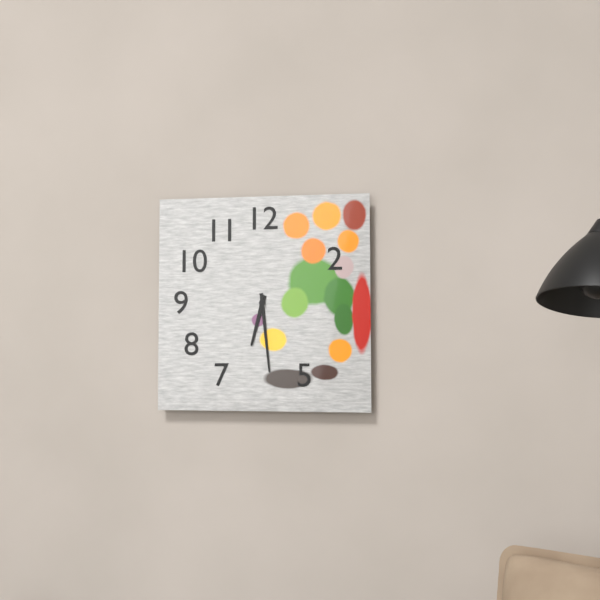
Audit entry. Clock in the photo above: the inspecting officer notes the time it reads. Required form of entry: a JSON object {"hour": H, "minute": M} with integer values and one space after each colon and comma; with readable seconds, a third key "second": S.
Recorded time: {"hour": 6, "minute": 29}
